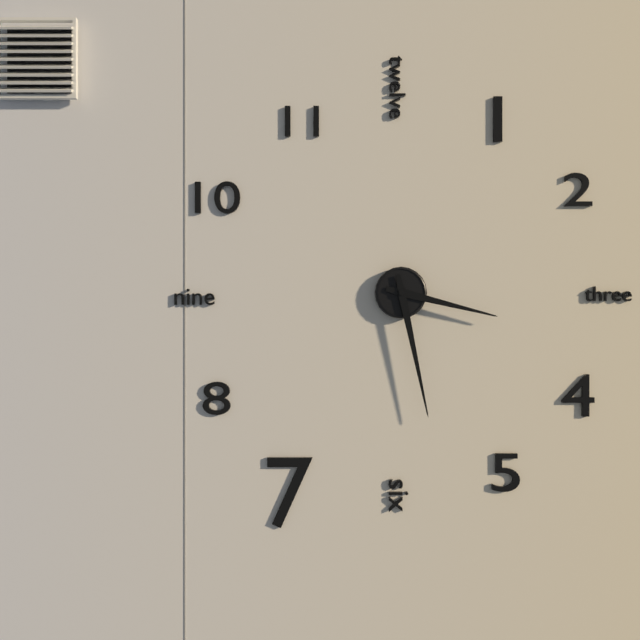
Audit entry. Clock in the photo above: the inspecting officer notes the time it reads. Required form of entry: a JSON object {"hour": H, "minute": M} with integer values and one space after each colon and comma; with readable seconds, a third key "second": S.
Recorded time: {"hour": 3, "minute": 28}
